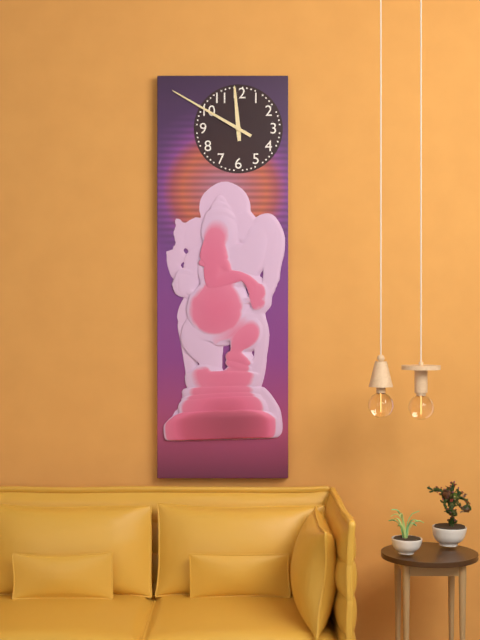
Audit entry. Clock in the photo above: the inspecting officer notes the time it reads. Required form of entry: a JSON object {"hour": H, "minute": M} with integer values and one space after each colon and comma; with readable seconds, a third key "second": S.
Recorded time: {"hour": 11, "minute": 50}
